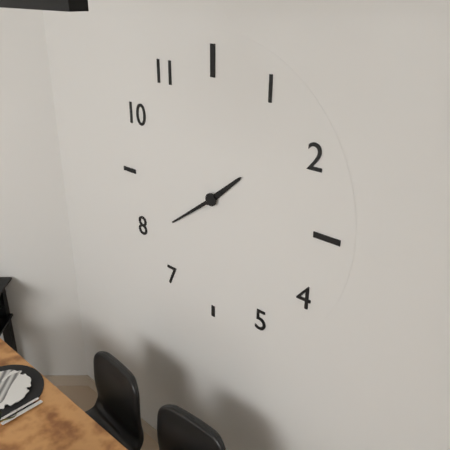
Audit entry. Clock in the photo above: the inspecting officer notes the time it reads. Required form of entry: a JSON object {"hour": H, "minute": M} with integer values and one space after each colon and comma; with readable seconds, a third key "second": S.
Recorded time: {"hour": 1, "minute": 39}
